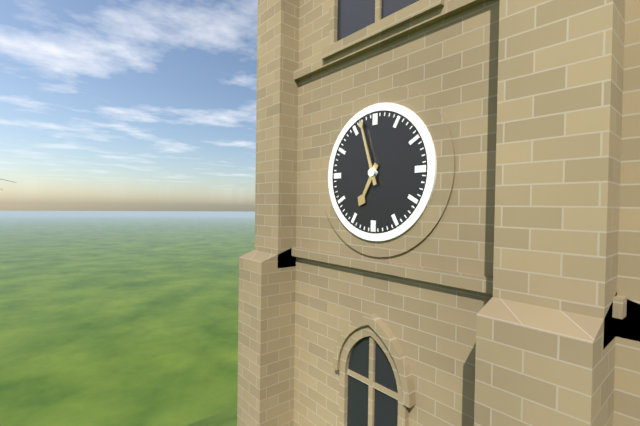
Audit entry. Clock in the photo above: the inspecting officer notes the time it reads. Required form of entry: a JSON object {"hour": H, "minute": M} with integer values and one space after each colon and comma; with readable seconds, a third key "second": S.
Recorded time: {"hour": 6, "minute": 57}
